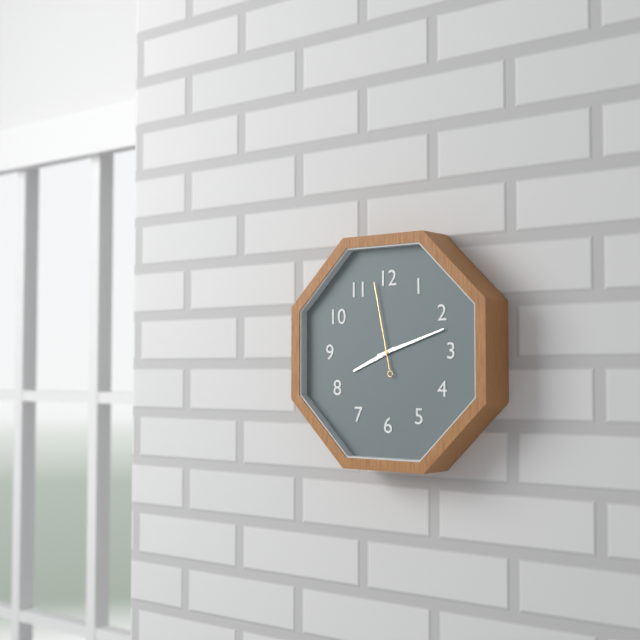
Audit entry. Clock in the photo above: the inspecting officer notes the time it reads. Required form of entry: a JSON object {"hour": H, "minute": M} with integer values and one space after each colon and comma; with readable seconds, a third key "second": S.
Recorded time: {"hour": 8, "minute": 12, "second": 58}
